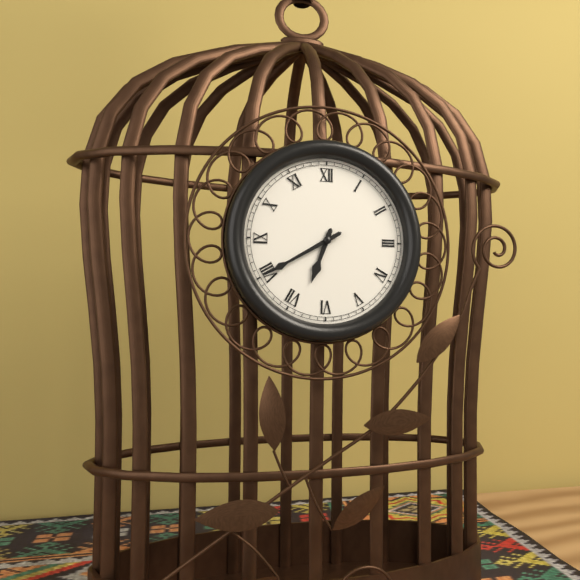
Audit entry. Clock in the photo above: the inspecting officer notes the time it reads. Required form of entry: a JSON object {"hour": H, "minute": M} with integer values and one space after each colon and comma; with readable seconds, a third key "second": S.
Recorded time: {"hour": 6, "minute": 40}
